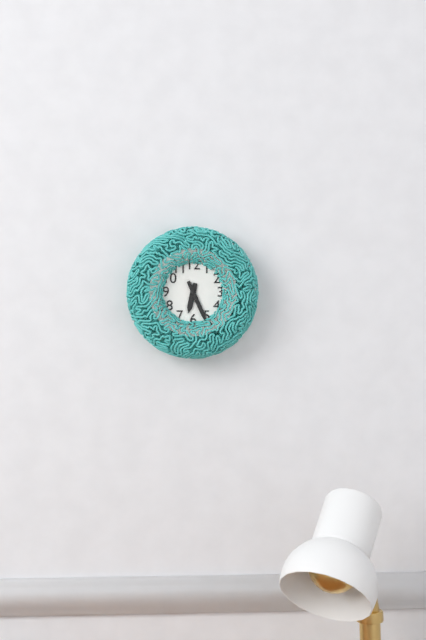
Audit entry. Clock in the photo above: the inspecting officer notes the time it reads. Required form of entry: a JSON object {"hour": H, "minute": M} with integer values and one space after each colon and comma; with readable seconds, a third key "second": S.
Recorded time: {"hour": 6, "minute": 26}
